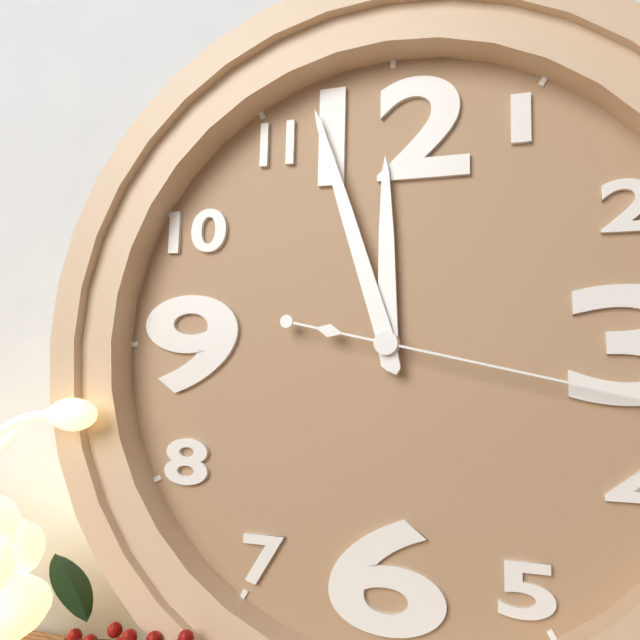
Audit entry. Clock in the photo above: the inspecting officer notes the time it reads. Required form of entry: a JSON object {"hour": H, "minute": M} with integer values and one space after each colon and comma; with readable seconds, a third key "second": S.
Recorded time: {"hour": 11, "minute": 57}
